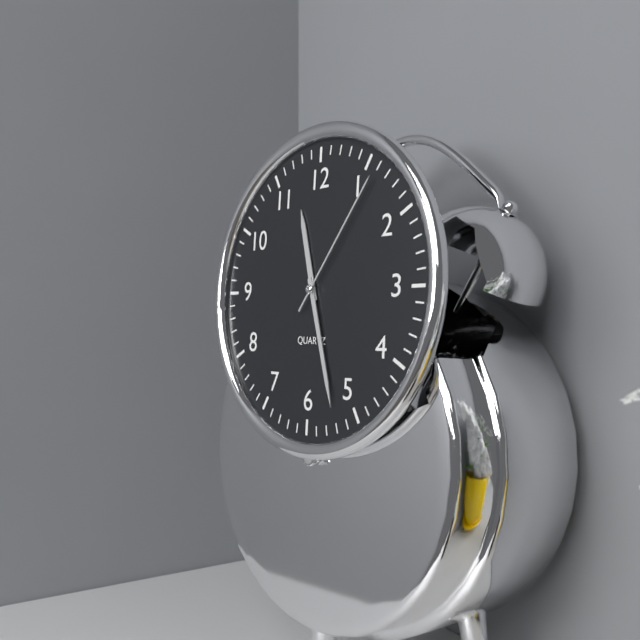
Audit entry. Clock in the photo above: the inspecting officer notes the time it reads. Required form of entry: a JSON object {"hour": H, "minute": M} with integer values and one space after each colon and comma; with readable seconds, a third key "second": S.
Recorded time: {"hour": 11, "minute": 27, "second": 6}
